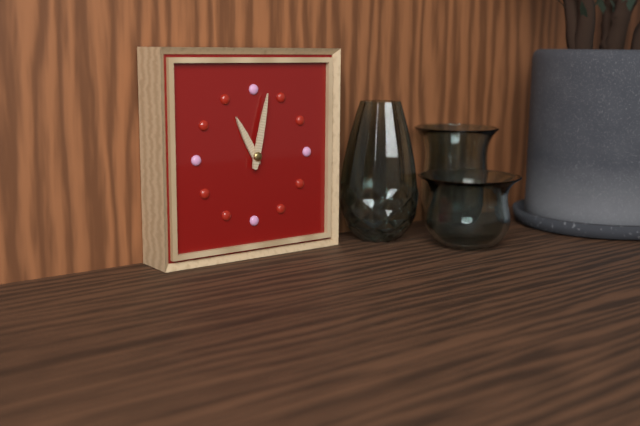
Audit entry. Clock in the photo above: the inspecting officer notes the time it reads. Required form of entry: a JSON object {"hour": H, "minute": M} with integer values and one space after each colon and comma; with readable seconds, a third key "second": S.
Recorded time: {"hour": 11, "minute": 2}
